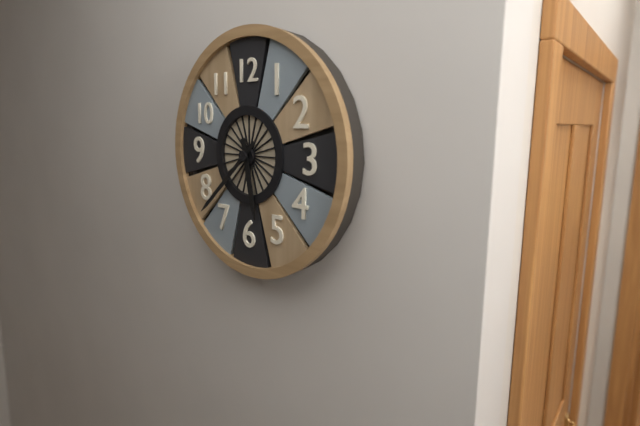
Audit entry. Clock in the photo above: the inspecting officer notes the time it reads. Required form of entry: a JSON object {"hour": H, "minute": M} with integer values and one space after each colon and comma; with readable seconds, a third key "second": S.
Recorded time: {"hour": 5, "minute": 38}
